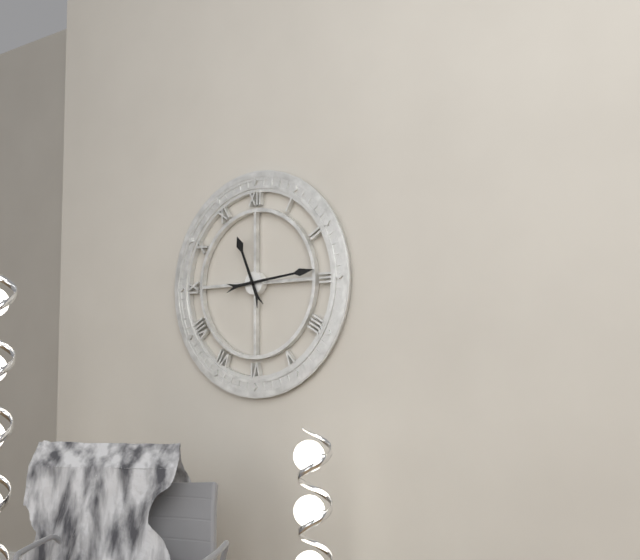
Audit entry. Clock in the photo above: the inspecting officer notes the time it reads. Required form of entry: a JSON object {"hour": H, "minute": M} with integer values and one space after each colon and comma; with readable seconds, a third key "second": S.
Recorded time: {"hour": 11, "minute": 14}
